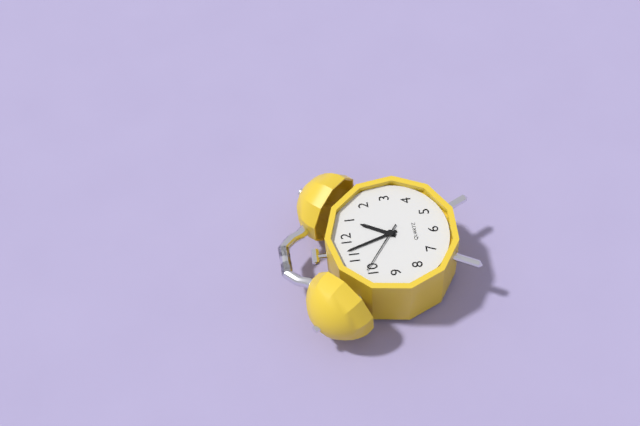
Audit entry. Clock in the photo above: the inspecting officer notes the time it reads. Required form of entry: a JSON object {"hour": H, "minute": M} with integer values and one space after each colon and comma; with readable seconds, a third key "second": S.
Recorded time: {"hour": 12, "minute": 57, "second": 51}
